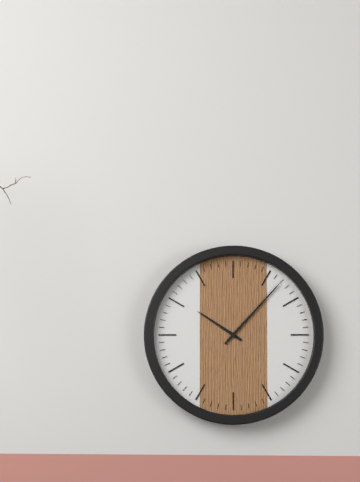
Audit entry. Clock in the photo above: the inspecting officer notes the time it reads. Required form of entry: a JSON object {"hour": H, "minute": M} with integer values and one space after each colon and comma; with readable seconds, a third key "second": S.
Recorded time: {"hour": 10, "minute": 7}
